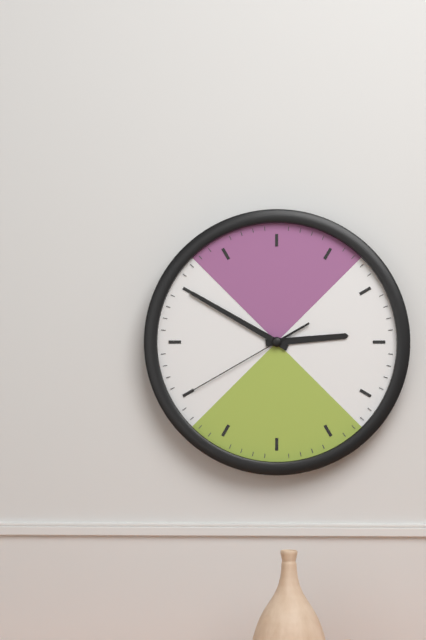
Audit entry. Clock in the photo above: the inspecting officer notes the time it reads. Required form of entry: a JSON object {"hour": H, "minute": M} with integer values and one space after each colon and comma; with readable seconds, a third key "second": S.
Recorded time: {"hour": 2, "minute": 50, "second": 40}
